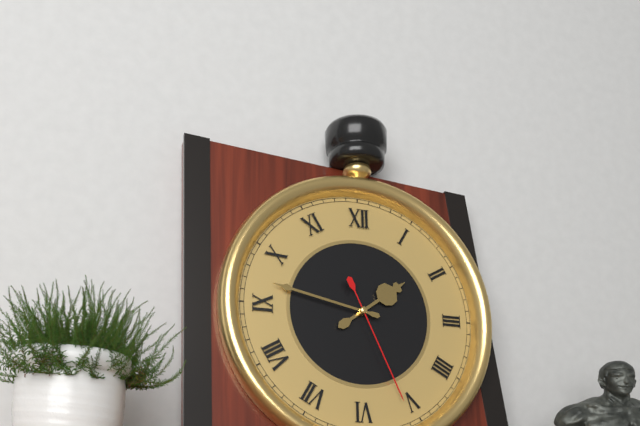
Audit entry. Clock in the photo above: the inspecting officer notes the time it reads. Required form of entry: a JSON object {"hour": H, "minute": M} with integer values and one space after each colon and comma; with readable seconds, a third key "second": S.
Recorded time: {"hour": 1, "minute": 47, "second": 26}
